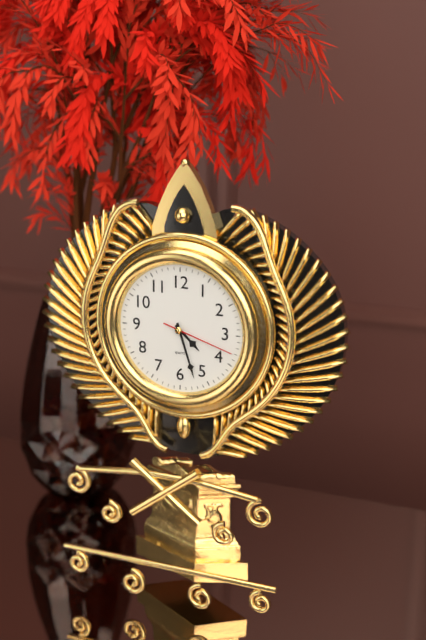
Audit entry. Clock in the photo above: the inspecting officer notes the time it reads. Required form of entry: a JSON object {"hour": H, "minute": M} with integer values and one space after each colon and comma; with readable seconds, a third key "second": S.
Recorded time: {"hour": 4, "minute": 27, "second": 18}
